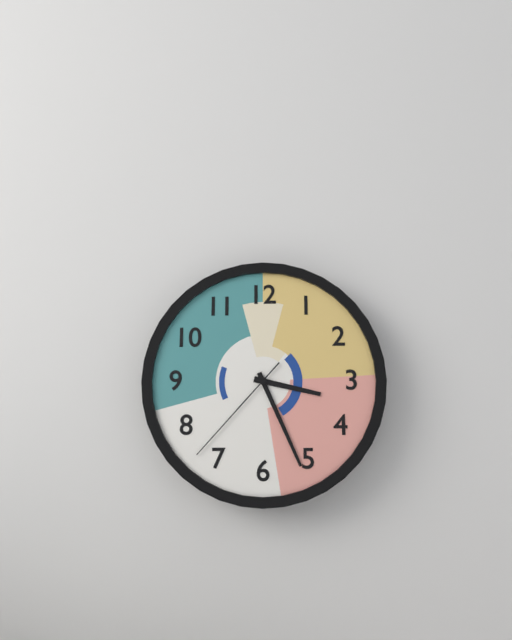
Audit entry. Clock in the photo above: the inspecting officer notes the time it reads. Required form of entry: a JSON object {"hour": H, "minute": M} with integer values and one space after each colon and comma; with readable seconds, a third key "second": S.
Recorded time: {"hour": 3, "minute": 26, "second": 37}
